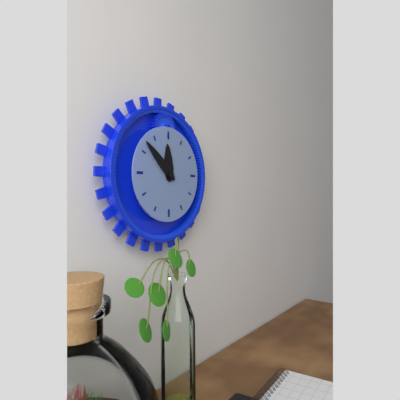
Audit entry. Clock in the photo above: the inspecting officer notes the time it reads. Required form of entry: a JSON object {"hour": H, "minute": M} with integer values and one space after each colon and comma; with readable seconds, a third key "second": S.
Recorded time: {"hour": 11, "minute": 52}
